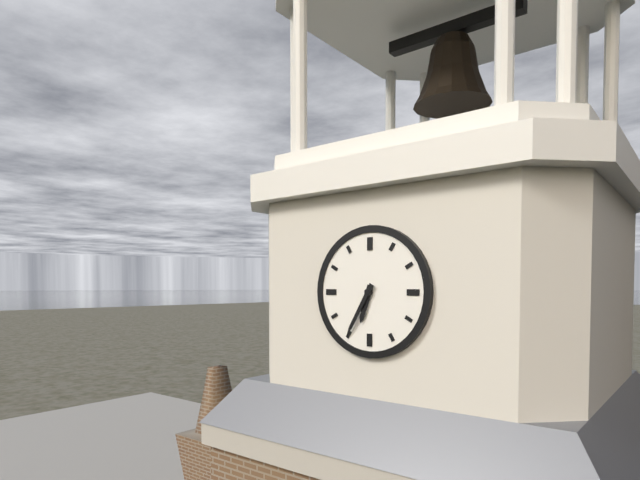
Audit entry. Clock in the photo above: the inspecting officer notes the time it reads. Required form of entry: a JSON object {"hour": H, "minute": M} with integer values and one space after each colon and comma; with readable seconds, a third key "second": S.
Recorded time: {"hour": 6, "minute": 35}
